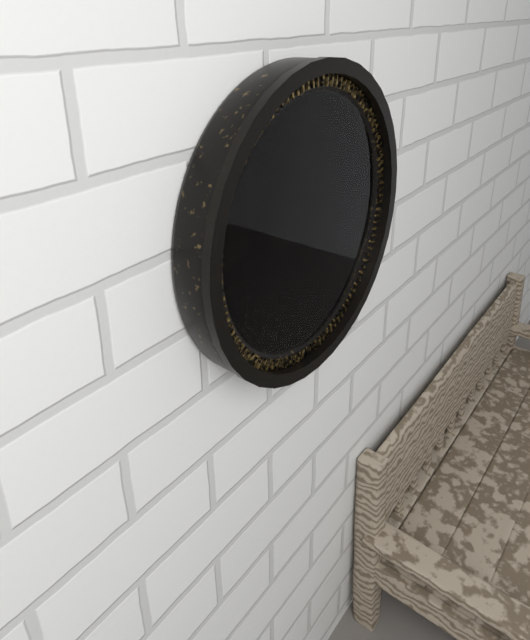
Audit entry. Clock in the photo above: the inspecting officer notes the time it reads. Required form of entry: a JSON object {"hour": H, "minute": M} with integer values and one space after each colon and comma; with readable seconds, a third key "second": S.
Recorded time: {"hour": 11, "minute": 17}
